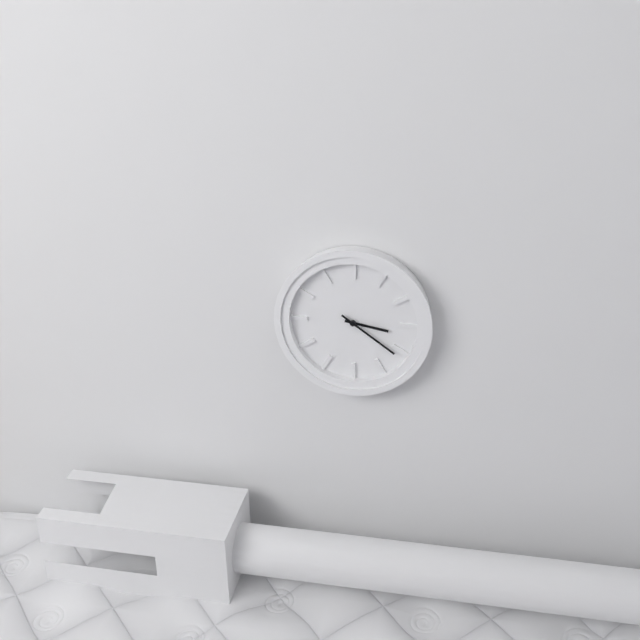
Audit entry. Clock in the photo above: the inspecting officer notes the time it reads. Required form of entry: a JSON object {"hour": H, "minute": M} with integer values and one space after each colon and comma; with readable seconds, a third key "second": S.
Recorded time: {"hour": 3, "minute": 21}
